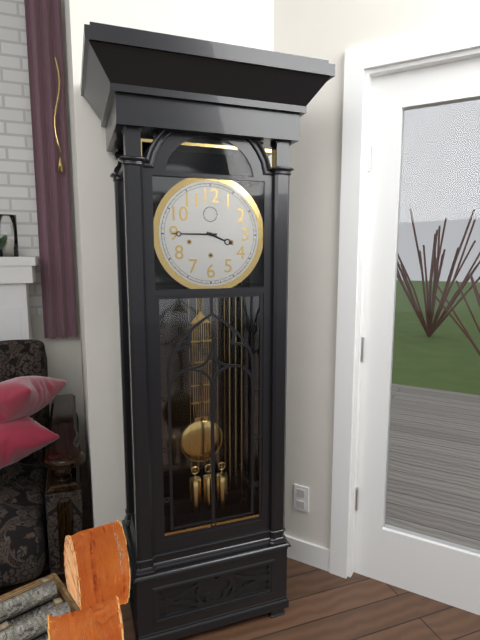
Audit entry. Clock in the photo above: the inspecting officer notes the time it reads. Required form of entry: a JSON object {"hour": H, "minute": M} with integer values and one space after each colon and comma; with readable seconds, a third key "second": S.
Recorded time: {"hour": 3, "minute": 45}
